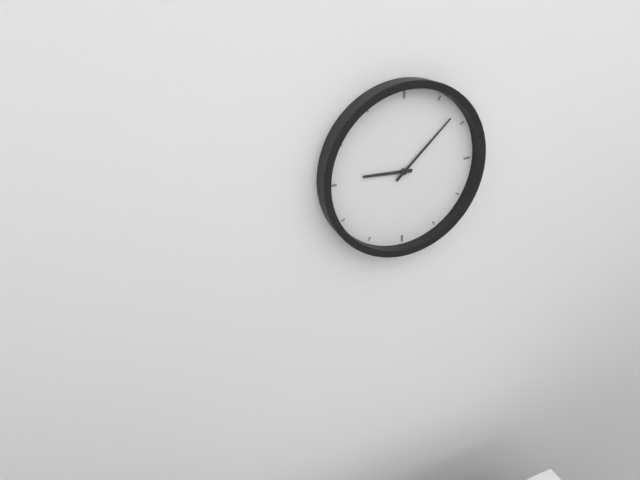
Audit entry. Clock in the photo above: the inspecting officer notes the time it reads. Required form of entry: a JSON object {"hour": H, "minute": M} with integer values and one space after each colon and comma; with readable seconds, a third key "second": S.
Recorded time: {"hour": 9, "minute": 8}
